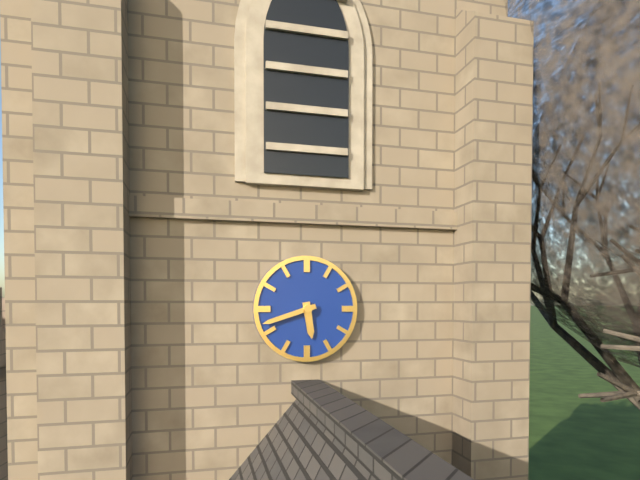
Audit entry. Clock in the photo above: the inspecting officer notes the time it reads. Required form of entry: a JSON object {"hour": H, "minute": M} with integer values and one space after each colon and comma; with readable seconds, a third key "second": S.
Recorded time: {"hour": 5, "minute": 42}
